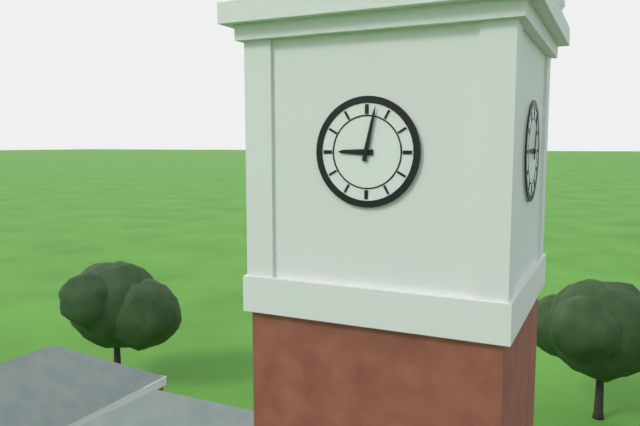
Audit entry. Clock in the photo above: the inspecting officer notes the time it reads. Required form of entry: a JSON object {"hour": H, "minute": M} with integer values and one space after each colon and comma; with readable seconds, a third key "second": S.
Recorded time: {"hour": 9, "minute": 2}
